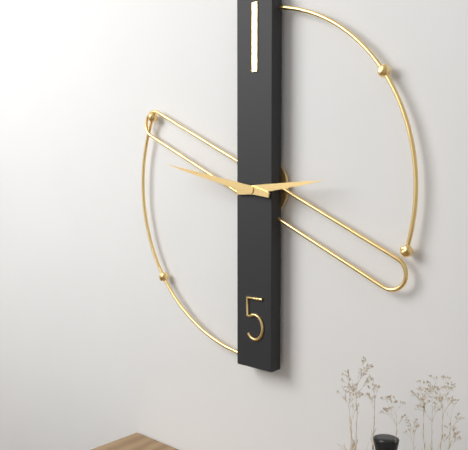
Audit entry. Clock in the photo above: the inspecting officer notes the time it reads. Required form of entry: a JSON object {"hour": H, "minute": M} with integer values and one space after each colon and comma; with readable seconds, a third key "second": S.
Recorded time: {"hour": 2, "minute": 47}
